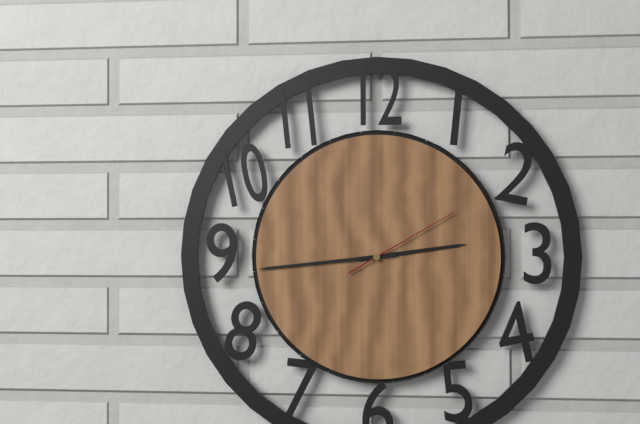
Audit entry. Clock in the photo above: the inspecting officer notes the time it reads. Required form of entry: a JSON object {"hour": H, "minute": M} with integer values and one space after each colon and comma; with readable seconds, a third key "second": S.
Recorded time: {"hour": 2, "minute": 44, "second": 10}
